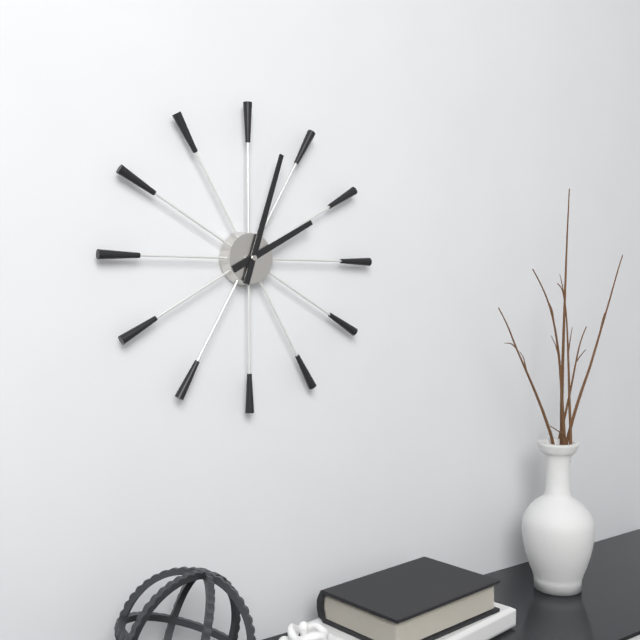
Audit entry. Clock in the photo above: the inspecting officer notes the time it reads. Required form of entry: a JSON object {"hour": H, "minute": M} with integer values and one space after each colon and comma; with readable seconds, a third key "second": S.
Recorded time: {"hour": 2, "minute": 3}
